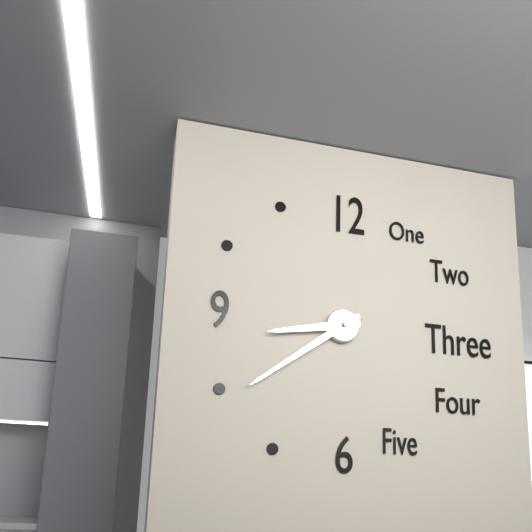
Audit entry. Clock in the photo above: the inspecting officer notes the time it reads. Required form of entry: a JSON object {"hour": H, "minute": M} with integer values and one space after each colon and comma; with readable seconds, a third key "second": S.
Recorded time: {"hour": 8, "minute": 39}
